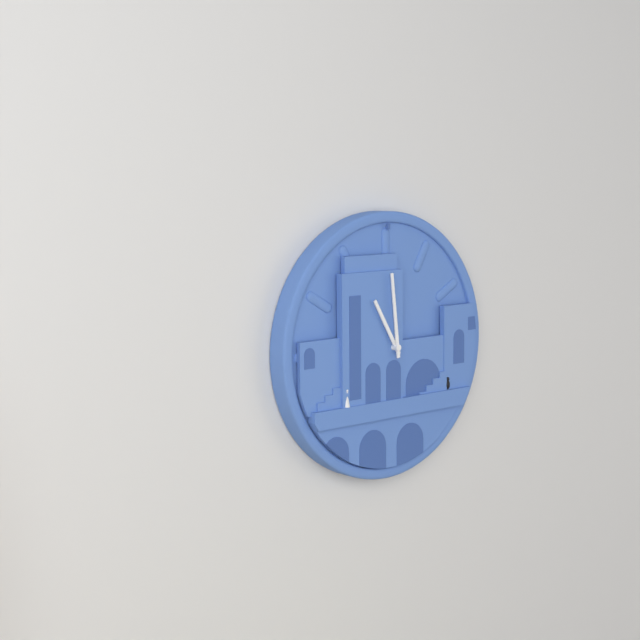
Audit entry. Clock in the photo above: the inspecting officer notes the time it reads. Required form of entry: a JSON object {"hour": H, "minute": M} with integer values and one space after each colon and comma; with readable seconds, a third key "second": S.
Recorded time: {"hour": 10, "minute": 59}
